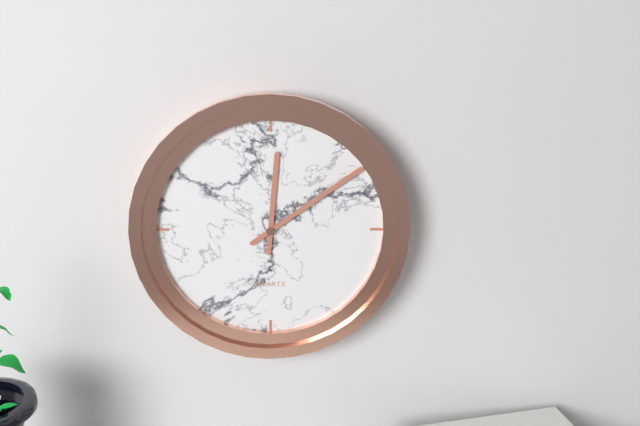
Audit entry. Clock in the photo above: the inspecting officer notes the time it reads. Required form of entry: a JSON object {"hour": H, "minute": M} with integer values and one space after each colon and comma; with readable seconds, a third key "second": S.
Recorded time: {"hour": 12, "minute": 9}
